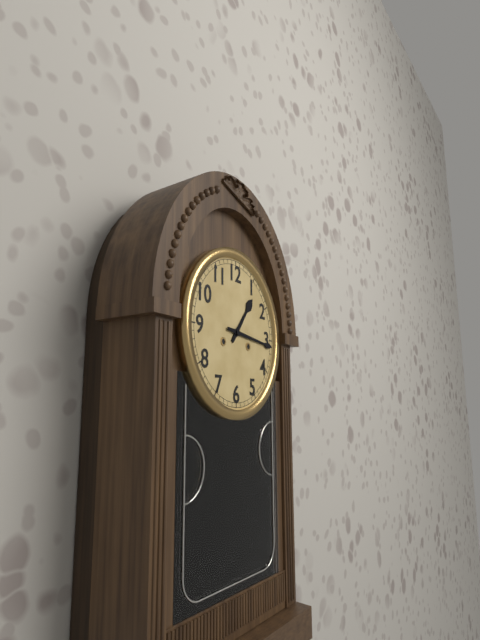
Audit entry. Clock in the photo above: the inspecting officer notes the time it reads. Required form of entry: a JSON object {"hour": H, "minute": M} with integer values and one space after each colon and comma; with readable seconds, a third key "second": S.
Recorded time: {"hour": 1, "minute": 16}
